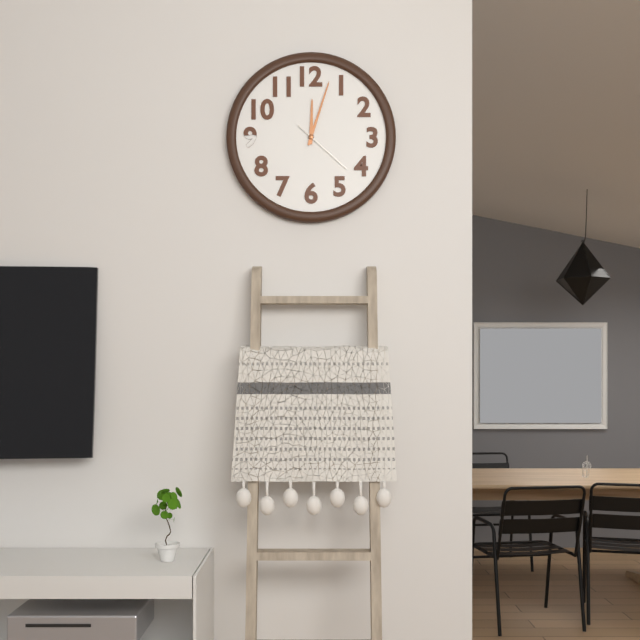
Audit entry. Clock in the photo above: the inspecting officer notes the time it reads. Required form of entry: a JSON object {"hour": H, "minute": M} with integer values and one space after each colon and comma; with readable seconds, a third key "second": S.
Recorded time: {"hour": 12, "minute": 3, "second": 22}
